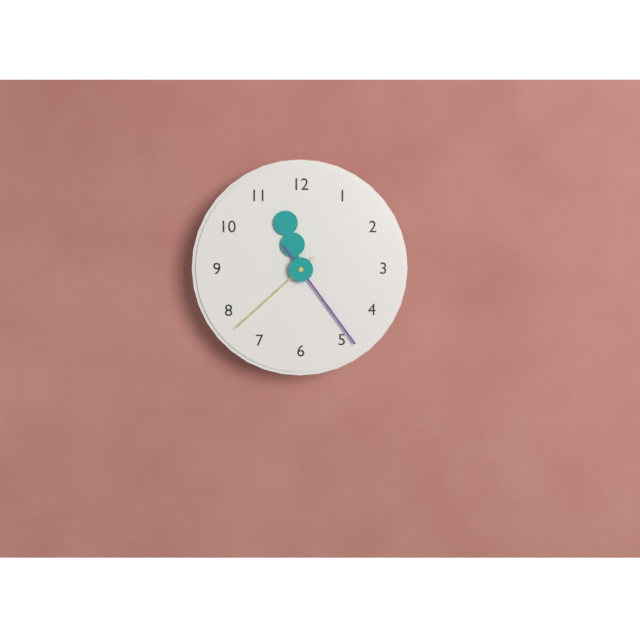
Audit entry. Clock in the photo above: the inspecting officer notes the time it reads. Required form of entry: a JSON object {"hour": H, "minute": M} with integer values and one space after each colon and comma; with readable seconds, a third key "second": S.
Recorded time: {"hour": 11, "minute": 24, "second": 38}
